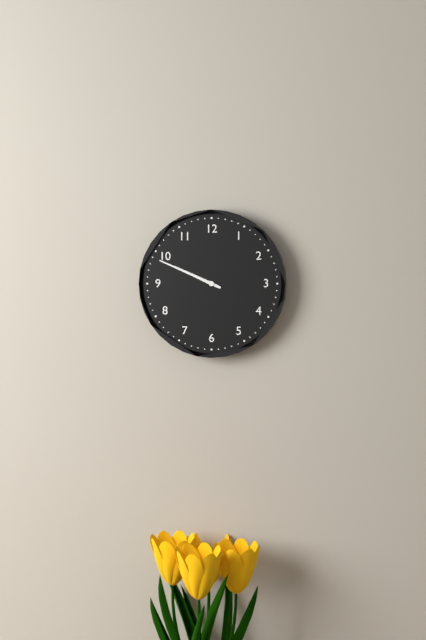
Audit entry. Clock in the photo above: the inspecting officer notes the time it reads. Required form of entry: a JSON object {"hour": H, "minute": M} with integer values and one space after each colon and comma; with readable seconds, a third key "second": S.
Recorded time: {"hour": 9, "minute": 49}
